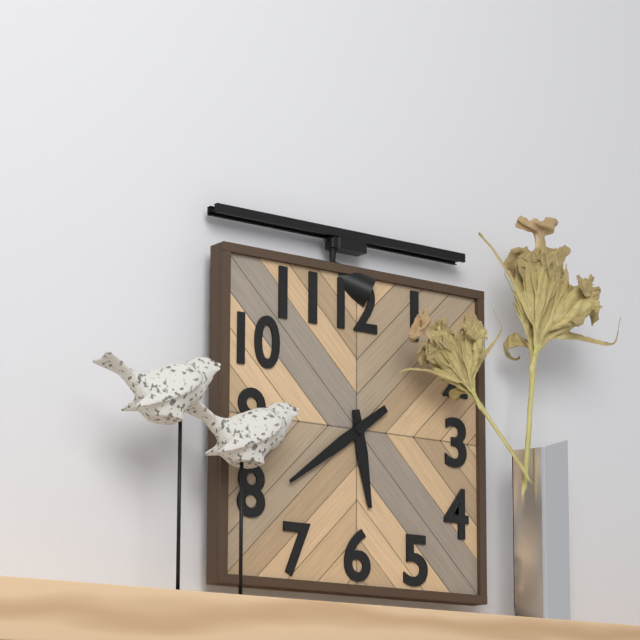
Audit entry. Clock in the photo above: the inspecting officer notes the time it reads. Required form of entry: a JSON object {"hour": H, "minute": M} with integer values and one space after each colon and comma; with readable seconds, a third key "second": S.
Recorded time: {"hour": 5, "minute": 39}
